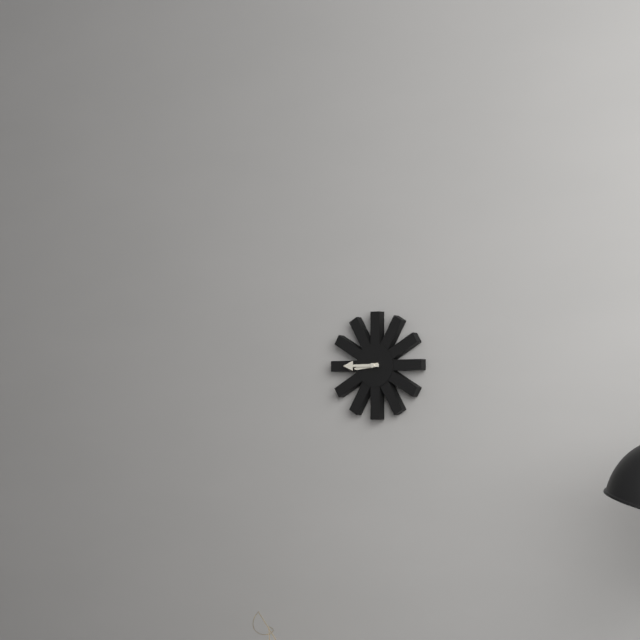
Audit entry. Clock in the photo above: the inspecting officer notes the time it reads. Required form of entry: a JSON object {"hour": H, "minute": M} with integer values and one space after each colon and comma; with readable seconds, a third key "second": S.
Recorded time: {"hour": 8, "minute": 45}
